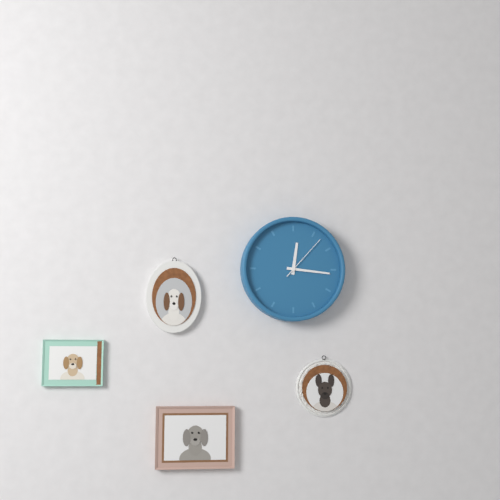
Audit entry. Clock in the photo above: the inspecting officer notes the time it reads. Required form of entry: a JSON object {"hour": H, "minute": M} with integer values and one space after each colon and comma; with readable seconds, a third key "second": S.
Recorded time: {"hour": 12, "minute": 16, "second": 7}
